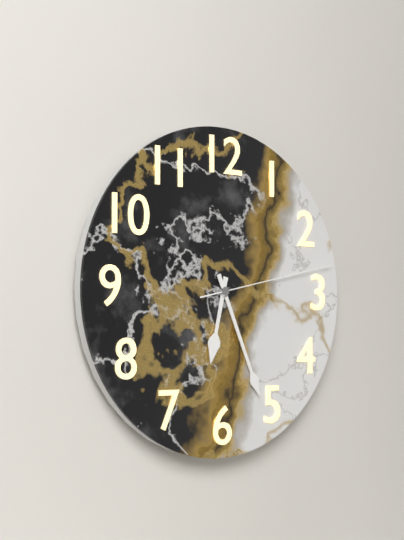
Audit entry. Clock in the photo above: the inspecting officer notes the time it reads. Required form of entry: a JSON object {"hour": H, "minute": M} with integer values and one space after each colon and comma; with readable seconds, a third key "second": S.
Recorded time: {"hour": 6, "minute": 26, "second": 13}
